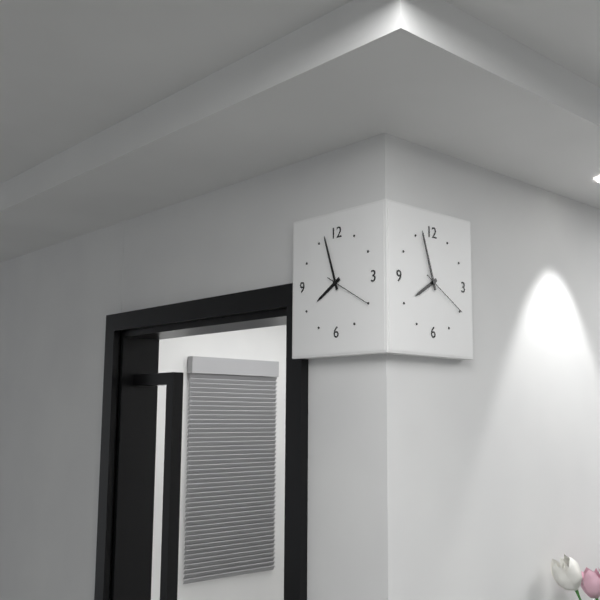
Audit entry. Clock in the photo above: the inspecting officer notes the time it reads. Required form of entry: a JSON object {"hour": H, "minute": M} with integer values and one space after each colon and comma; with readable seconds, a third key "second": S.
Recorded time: {"hour": 7, "minute": 57}
